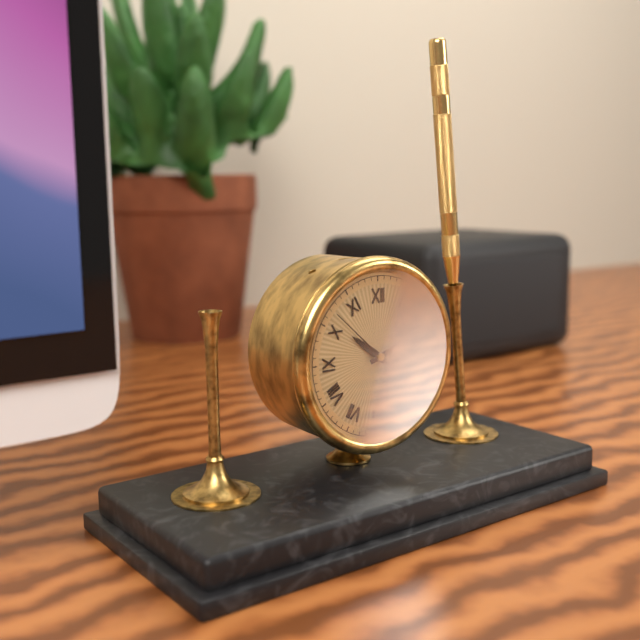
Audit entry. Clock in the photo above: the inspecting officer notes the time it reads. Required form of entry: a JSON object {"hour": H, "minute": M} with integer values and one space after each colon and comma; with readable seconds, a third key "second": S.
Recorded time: {"hour": 10, "minute": 12, "second": 52}
